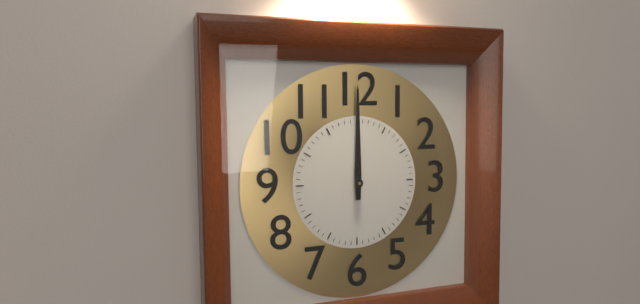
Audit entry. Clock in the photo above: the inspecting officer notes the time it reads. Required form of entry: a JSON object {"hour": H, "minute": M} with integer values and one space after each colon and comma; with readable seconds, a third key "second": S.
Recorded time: {"hour": 12, "minute": 0}
